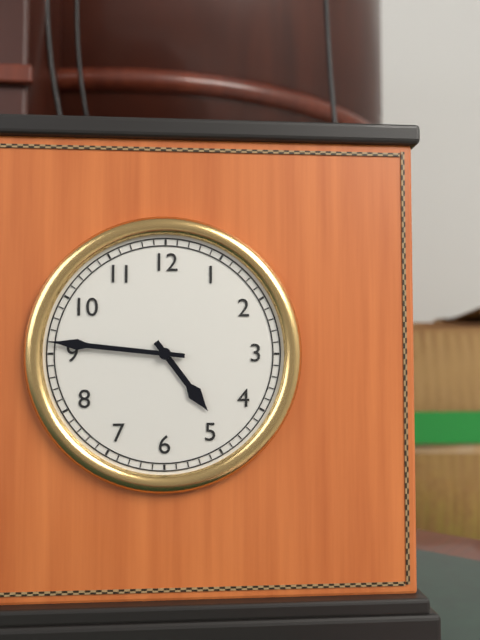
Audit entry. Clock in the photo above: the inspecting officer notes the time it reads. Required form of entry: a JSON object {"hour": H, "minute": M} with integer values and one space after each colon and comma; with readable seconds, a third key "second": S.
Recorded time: {"hour": 4, "minute": 46}
